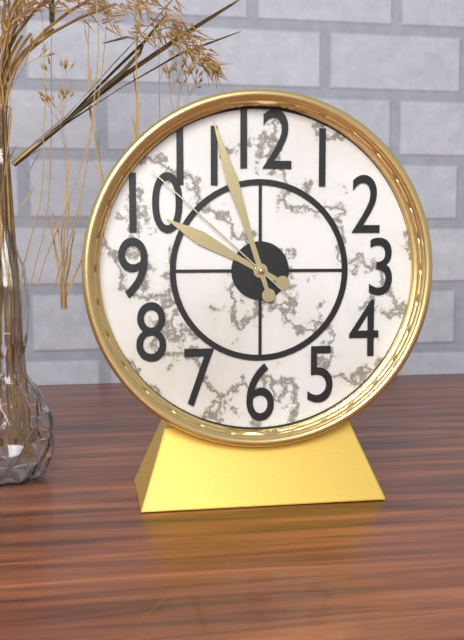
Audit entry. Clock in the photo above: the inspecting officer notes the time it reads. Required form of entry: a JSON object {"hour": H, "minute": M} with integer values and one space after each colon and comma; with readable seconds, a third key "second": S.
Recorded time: {"hour": 9, "minute": 57, "second": 52}
